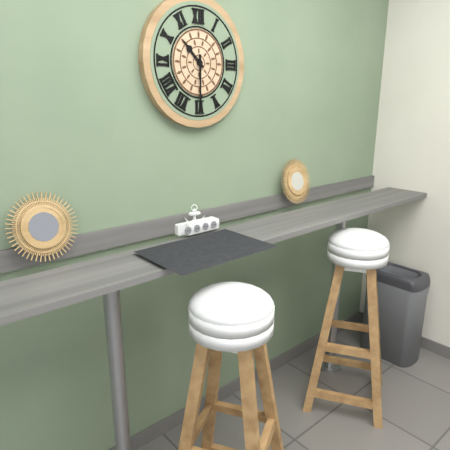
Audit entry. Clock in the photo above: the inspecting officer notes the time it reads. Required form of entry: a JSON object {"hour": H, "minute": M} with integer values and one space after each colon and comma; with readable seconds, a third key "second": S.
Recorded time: {"hour": 10, "minute": 30}
